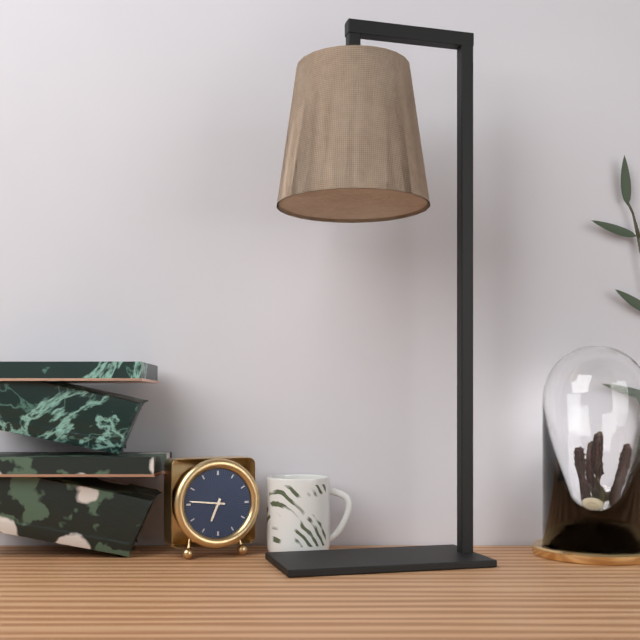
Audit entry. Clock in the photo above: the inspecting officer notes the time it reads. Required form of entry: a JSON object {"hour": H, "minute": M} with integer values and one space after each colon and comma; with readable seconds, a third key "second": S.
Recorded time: {"hour": 6, "minute": 46}
